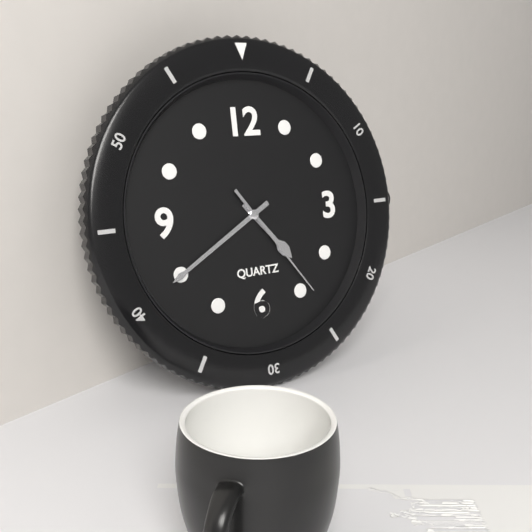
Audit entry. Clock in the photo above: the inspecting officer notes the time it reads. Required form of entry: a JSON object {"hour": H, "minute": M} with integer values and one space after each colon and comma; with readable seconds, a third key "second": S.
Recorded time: {"hour": 4, "minute": 40, "second": 24}
